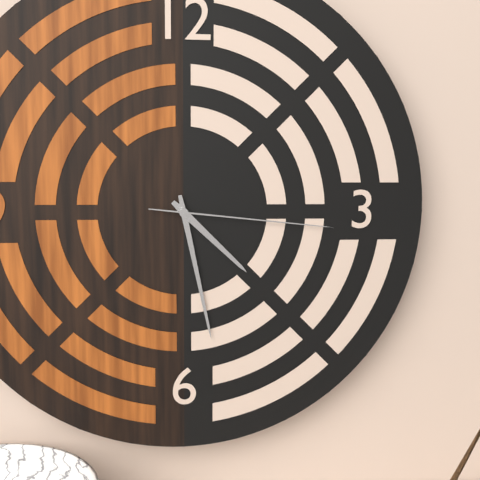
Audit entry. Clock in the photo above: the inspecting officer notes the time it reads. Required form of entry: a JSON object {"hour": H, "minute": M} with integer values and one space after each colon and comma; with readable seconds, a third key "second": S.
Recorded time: {"hour": 4, "minute": 28, "second": 16}
